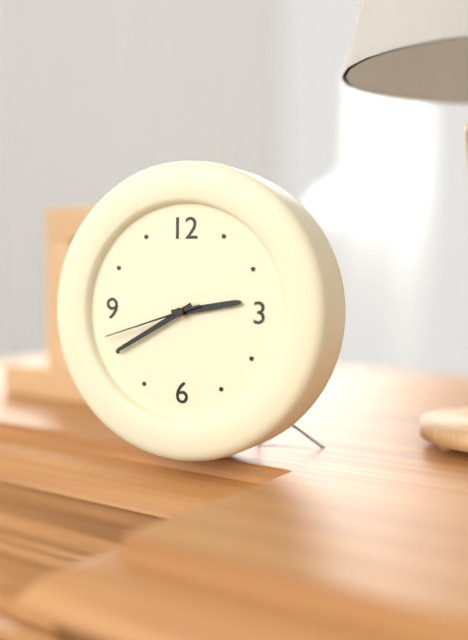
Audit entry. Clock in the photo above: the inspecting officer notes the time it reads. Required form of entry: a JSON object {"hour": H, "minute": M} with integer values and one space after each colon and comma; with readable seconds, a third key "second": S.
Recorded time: {"hour": 2, "minute": 40, "second": 42}
